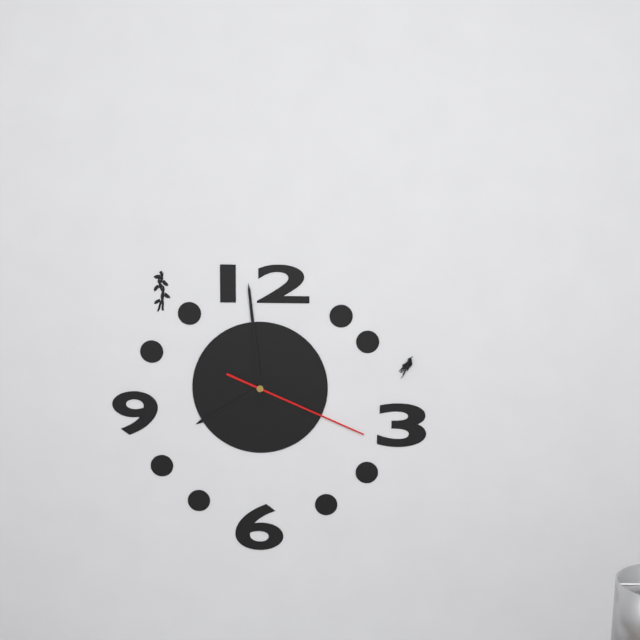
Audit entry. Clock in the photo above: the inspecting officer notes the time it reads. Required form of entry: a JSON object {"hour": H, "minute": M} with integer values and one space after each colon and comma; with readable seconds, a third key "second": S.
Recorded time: {"hour": 7, "minute": 59, "second": 19}
